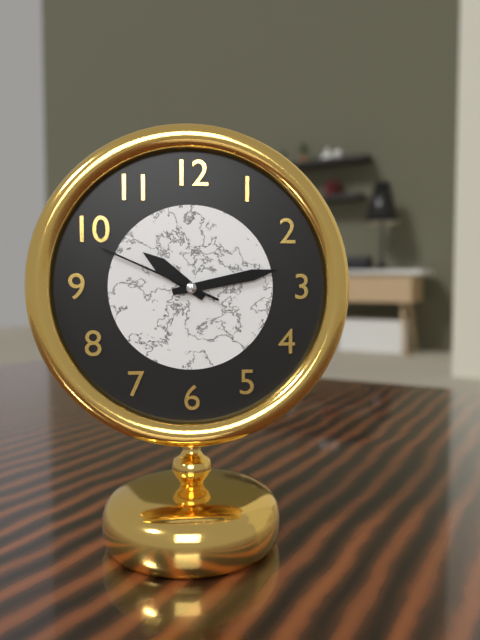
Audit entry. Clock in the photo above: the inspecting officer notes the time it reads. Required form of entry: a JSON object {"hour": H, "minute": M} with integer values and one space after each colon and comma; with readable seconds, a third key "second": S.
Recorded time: {"hour": 10, "minute": 13, "second": 49}
